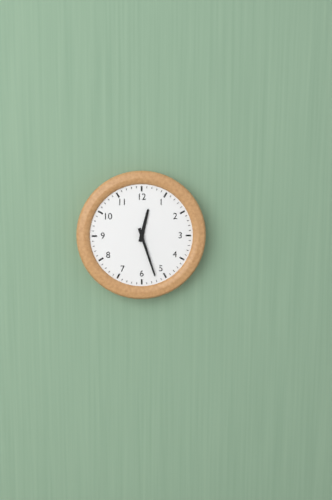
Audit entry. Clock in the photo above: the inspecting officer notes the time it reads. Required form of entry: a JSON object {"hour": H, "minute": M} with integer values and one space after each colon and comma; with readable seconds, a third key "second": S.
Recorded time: {"hour": 12, "minute": 27}
